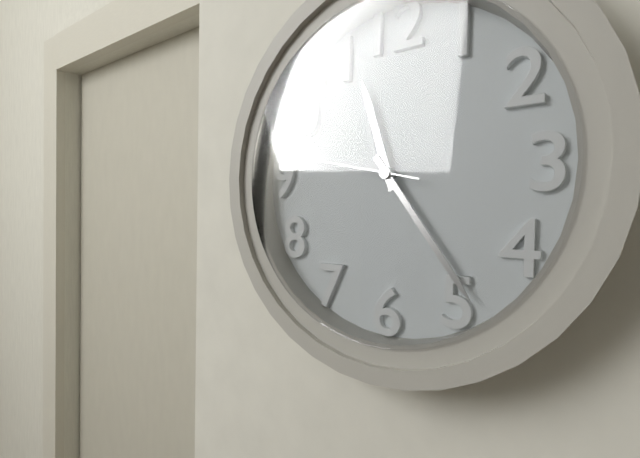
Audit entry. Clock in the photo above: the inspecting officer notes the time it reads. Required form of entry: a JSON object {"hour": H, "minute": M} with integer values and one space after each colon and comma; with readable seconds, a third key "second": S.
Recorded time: {"hour": 11, "minute": 24, "second": 47}
